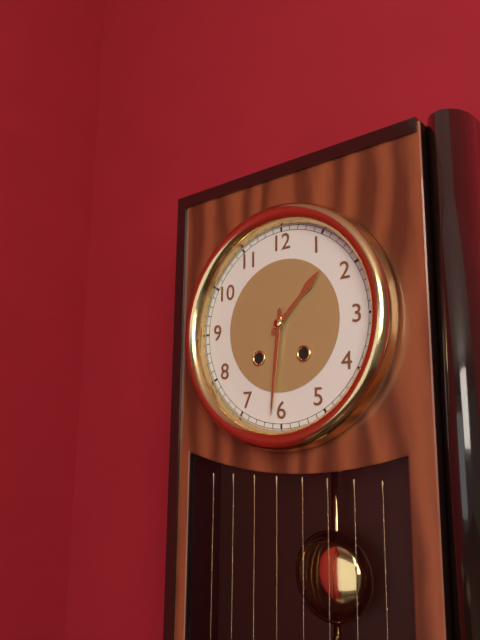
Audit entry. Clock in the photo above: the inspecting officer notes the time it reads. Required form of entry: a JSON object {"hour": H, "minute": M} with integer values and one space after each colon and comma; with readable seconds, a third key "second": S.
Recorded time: {"hour": 1, "minute": 31}
